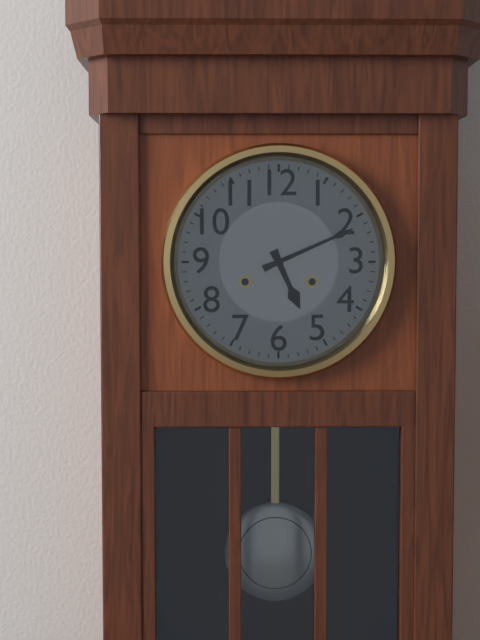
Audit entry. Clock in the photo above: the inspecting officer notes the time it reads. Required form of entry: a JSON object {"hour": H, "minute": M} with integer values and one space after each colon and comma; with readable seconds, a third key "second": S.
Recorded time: {"hour": 5, "minute": 11}
